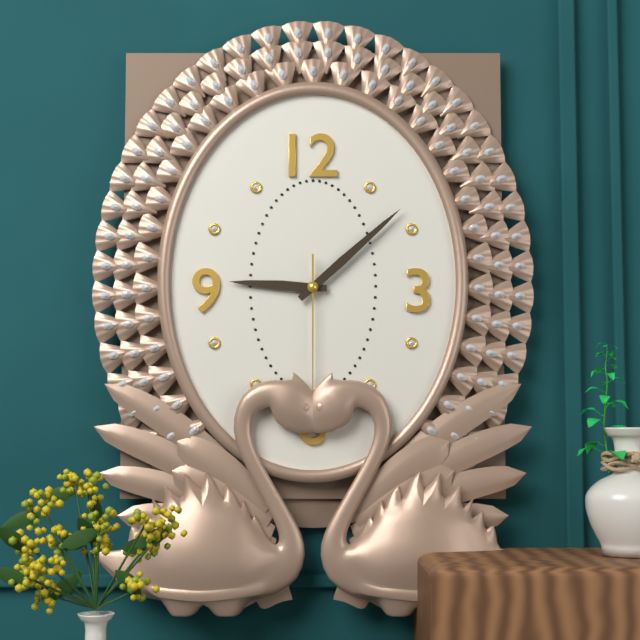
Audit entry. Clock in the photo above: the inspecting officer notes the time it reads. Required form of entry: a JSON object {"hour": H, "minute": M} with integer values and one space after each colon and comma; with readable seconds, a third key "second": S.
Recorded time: {"hour": 9, "minute": 8, "second": 30}
